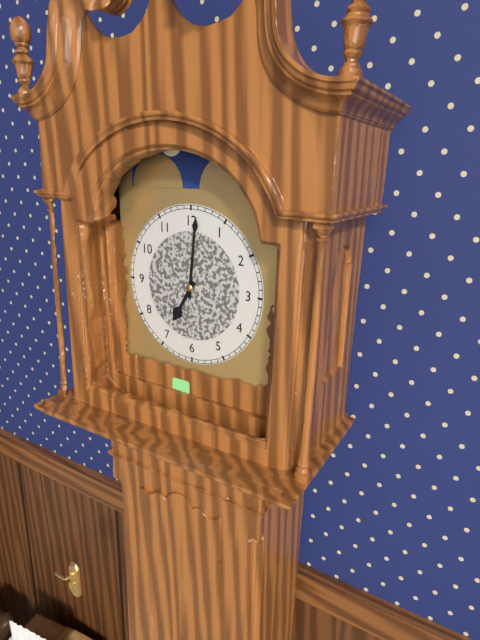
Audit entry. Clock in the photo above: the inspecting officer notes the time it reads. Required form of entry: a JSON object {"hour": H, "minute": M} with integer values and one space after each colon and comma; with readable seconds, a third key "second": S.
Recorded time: {"hour": 7, "minute": 1}
